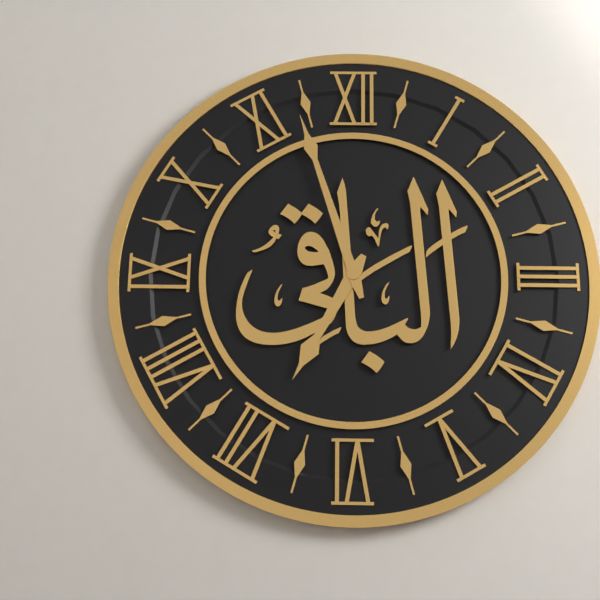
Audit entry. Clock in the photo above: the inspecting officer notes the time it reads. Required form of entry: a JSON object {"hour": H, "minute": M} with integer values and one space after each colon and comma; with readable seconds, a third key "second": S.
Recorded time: {"hour": 6, "minute": 57}
